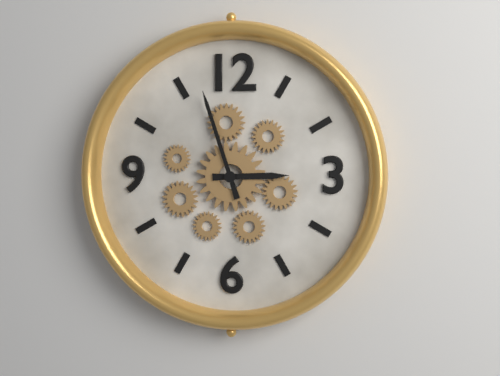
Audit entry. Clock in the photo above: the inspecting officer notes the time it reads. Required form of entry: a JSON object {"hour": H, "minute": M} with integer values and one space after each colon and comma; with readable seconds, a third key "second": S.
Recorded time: {"hour": 2, "minute": 57}
